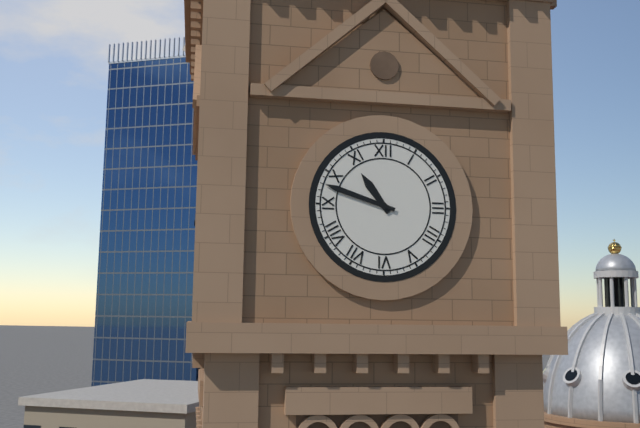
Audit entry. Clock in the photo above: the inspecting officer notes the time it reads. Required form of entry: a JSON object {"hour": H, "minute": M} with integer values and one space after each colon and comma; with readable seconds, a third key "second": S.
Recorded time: {"hour": 10, "minute": 48}
